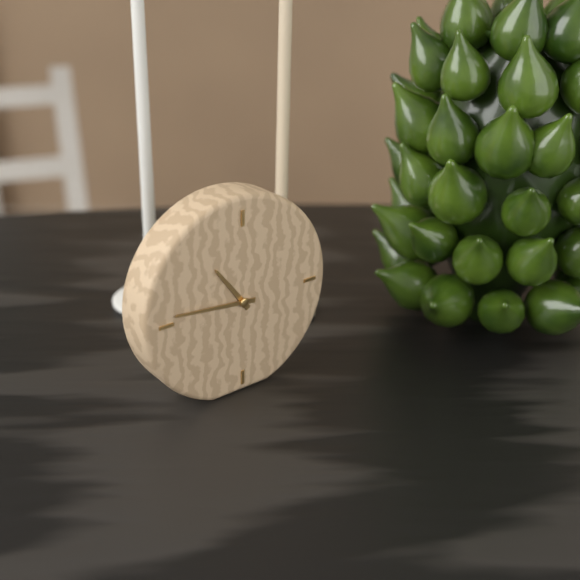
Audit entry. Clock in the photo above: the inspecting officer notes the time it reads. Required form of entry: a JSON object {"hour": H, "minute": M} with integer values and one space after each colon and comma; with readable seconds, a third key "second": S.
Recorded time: {"hour": 10, "minute": 46}
